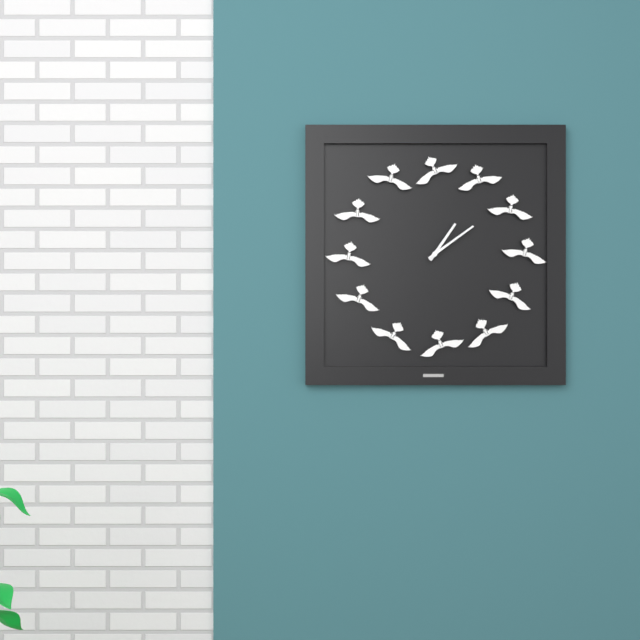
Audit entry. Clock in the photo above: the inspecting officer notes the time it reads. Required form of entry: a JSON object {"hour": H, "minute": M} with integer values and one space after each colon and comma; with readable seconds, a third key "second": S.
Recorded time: {"hour": 1, "minute": 9}
